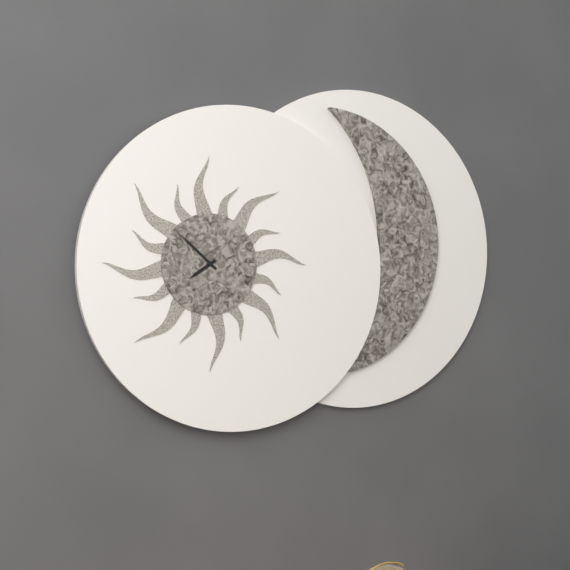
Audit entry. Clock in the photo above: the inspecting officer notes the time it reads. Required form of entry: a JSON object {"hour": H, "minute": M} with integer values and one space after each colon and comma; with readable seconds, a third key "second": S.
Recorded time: {"hour": 7, "minute": 52}
